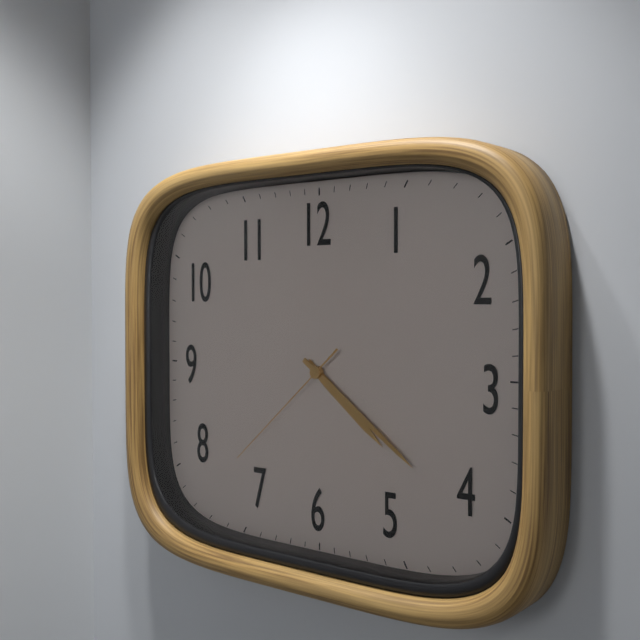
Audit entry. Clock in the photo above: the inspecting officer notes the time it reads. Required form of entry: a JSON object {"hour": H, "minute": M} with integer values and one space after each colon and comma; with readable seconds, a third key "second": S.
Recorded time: {"hour": 4, "minute": 21, "second": 38}
